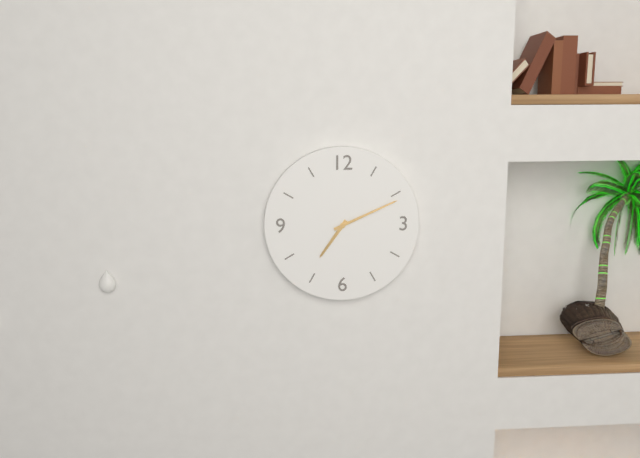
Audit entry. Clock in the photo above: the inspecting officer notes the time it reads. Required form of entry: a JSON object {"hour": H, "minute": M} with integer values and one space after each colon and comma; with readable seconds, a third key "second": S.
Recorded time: {"hour": 7, "minute": 11}
